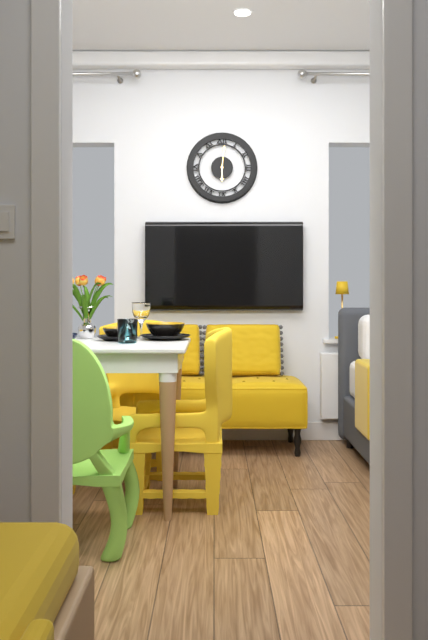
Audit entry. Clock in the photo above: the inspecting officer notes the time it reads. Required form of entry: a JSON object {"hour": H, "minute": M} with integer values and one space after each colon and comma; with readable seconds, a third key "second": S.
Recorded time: {"hour": 6, "minute": 1}
